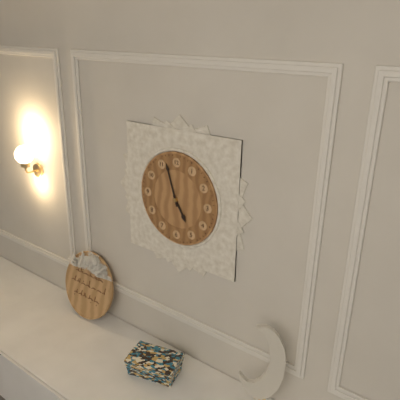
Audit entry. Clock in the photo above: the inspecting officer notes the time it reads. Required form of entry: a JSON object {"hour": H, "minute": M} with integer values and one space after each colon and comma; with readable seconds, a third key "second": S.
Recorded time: {"hour": 4, "minute": 57}
